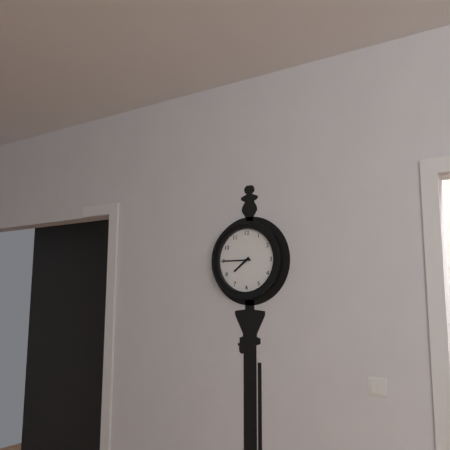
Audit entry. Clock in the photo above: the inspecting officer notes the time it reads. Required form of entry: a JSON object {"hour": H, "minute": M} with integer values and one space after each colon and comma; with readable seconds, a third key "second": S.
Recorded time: {"hour": 7, "minute": 45}
